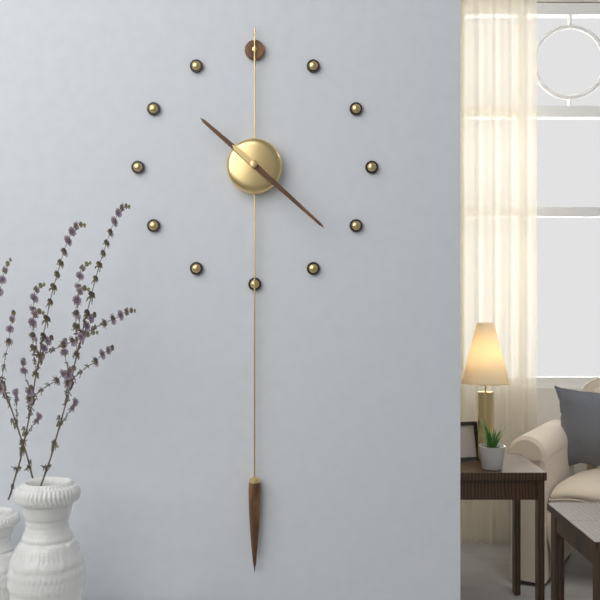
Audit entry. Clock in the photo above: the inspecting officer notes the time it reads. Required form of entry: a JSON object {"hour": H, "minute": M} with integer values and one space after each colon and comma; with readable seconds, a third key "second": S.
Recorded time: {"hour": 10, "minute": 22}
